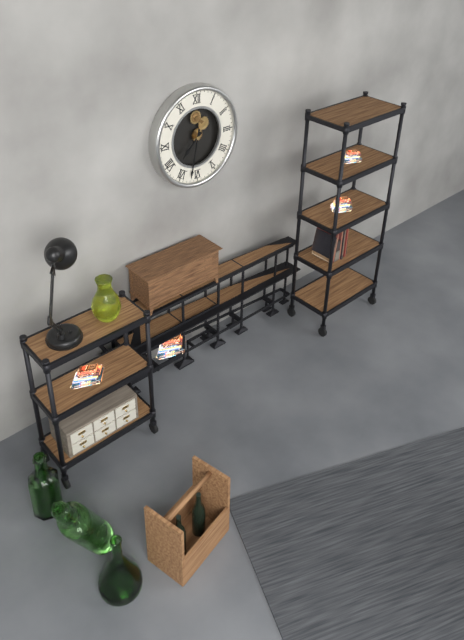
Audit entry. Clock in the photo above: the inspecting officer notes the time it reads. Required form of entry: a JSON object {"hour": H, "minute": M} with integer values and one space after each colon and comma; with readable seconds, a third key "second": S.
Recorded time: {"hour": 7, "minute": 32}
